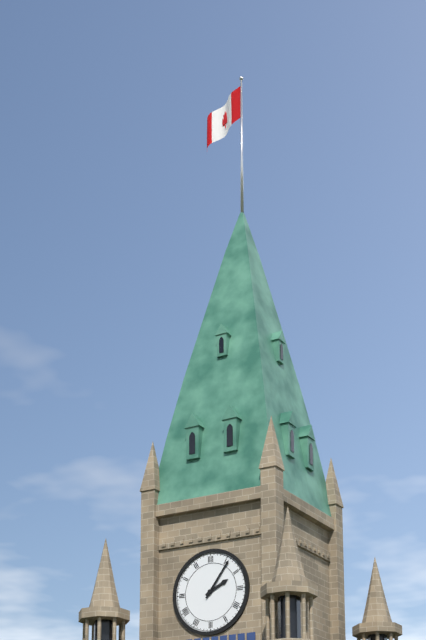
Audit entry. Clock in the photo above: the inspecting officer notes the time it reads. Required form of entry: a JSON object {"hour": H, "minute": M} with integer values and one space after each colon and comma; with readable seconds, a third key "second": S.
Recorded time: {"hour": 2, "minute": 6}
